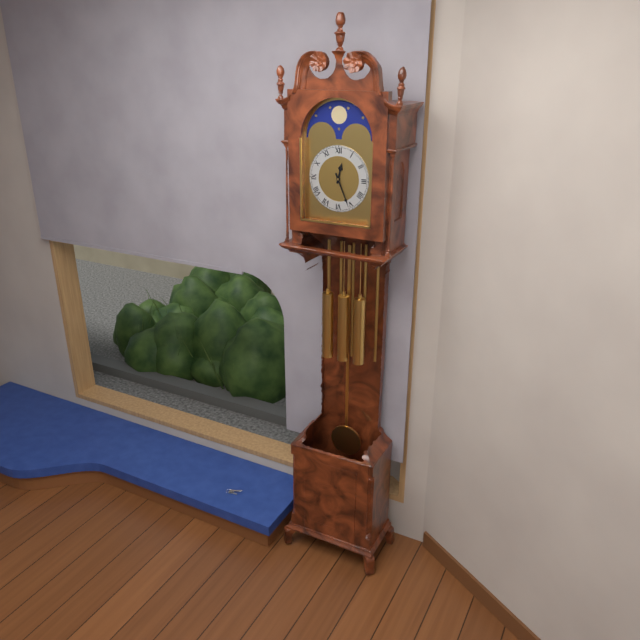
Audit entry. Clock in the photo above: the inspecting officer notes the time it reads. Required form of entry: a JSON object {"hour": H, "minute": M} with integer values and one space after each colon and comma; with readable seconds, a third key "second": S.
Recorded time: {"hour": 12, "minute": 26}
